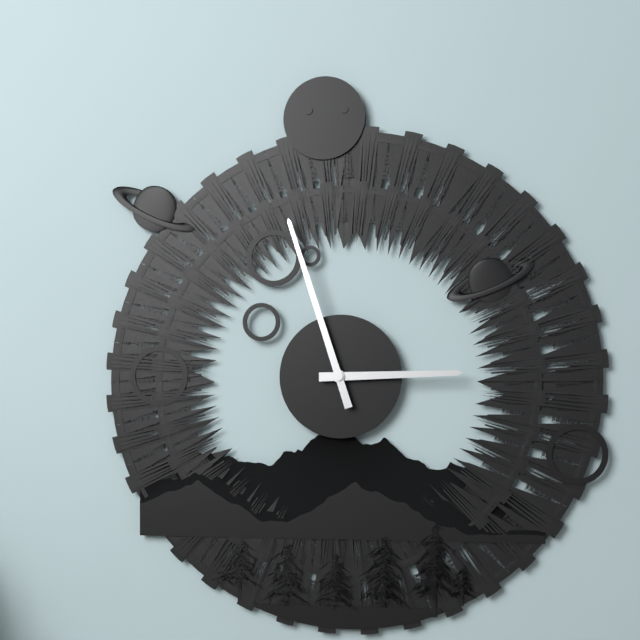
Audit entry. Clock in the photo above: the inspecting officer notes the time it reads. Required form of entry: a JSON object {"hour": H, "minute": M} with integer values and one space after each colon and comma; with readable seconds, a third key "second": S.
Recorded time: {"hour": 2, "minute": 57}
